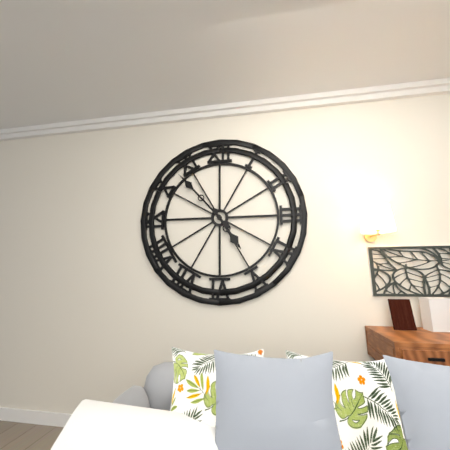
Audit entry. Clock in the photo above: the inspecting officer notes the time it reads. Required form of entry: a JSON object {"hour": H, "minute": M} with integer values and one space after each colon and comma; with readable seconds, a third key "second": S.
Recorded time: {"hour": 4, "minute": 53}
